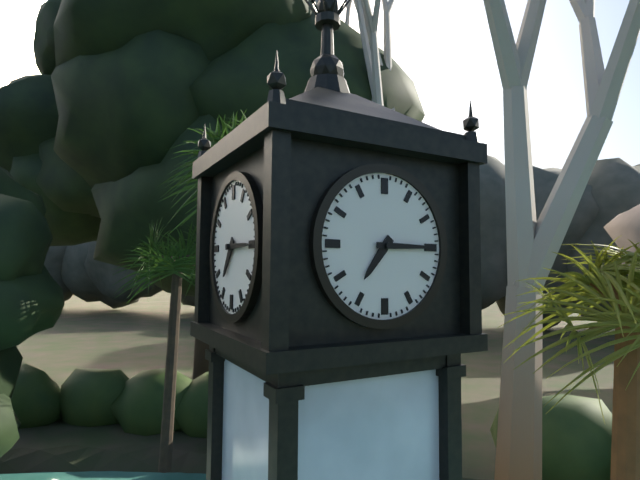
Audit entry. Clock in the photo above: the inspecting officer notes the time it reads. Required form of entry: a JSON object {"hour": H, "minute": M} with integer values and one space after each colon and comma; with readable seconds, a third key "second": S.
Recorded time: {"hour": 7, "minute": 15}
